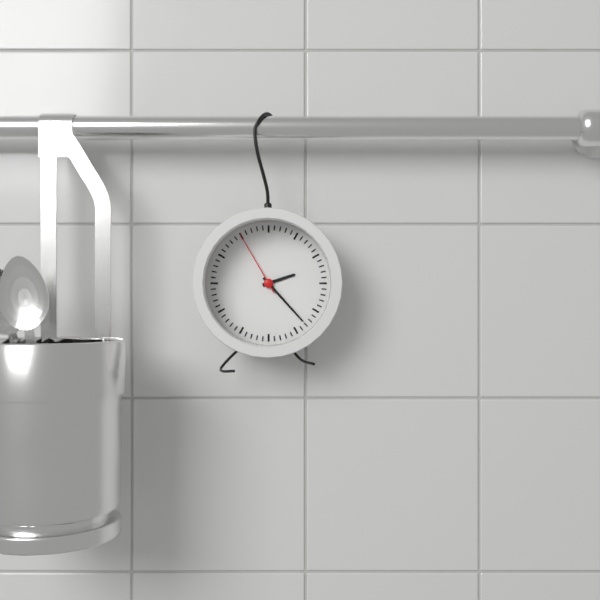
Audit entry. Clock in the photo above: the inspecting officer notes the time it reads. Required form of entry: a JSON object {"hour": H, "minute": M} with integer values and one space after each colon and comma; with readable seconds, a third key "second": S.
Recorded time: {"hour": 2, "minute": 23, "second": 55}
